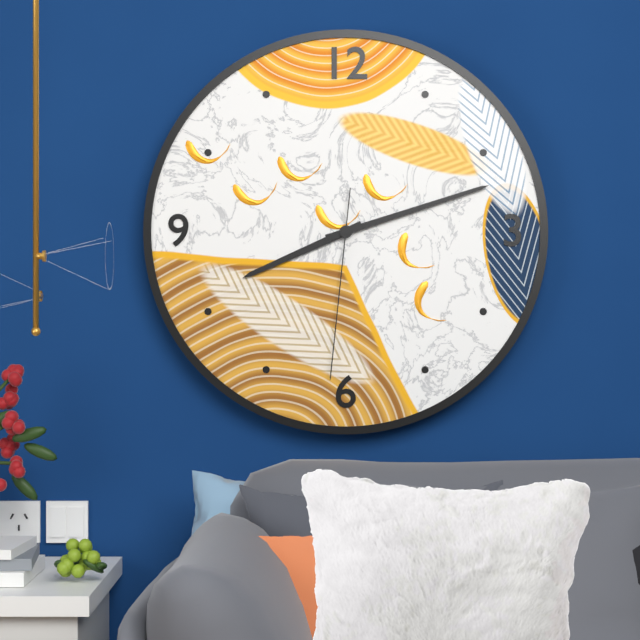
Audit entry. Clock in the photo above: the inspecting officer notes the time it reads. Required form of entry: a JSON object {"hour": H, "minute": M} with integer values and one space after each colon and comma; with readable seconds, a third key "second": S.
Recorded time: {"hour": 8, "minute": 12, "second": 31}
